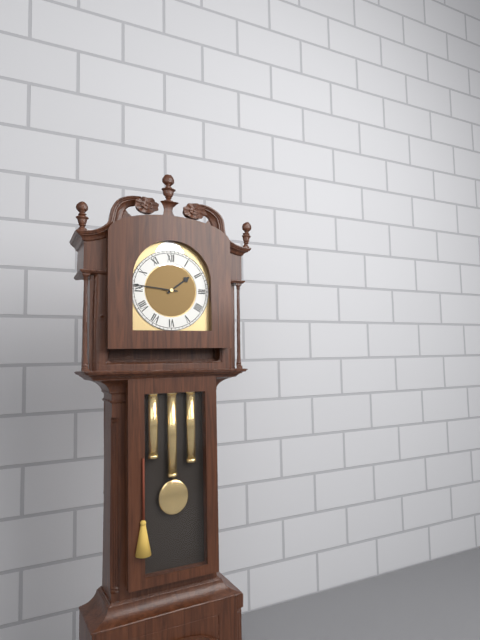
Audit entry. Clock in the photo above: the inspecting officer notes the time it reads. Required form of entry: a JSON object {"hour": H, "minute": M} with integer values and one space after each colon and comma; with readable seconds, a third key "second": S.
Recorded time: {"hour": 1, "minute": 46}
